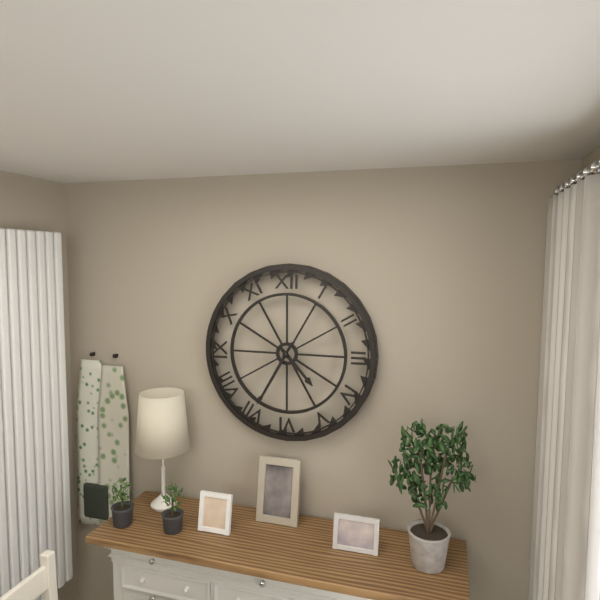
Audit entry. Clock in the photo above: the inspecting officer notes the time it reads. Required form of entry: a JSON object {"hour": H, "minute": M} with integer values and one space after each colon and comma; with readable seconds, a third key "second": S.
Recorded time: {"hour": 4, "minute": 35}
